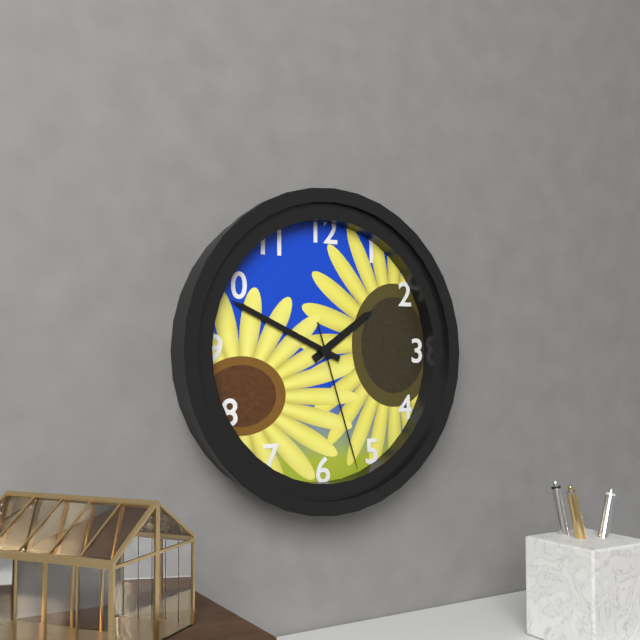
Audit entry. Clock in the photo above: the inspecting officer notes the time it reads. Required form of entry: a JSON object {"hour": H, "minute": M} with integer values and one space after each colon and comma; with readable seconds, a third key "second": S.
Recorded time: {"hour": 1, "minute": 49, "second": 27}
